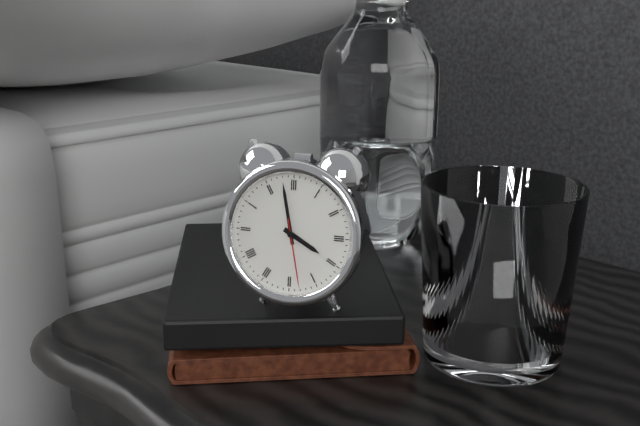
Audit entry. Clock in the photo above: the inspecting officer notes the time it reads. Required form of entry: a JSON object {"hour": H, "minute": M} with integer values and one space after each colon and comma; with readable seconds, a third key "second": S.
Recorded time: {"hour": 3, "minute": 58, "second": 28}
